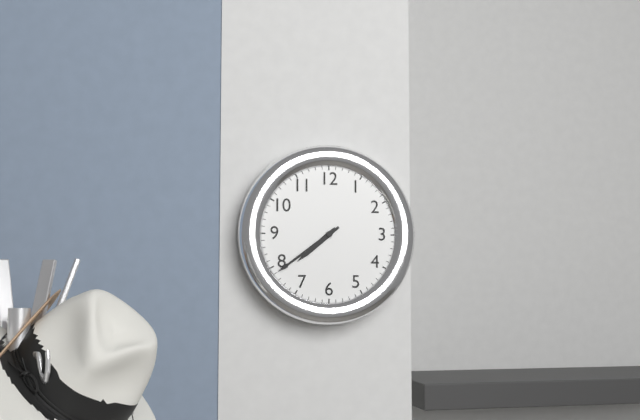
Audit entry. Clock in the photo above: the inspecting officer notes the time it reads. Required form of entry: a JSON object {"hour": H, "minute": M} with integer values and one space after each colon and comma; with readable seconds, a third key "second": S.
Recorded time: {"hour": 7, "minute": 39}
